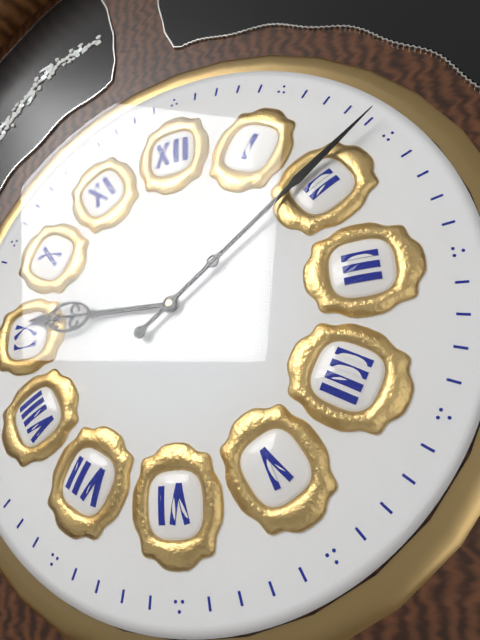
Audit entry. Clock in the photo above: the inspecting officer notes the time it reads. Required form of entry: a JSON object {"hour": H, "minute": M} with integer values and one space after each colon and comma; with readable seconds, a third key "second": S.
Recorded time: {"hour": 9, "minute": 9}
